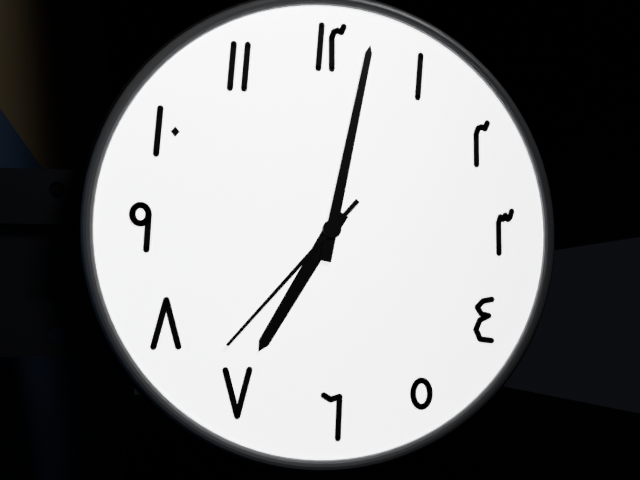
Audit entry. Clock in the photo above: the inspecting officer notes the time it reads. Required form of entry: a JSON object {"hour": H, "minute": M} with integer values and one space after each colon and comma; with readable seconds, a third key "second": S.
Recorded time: {"hour": 7, "minute": 2, "second": 37}
